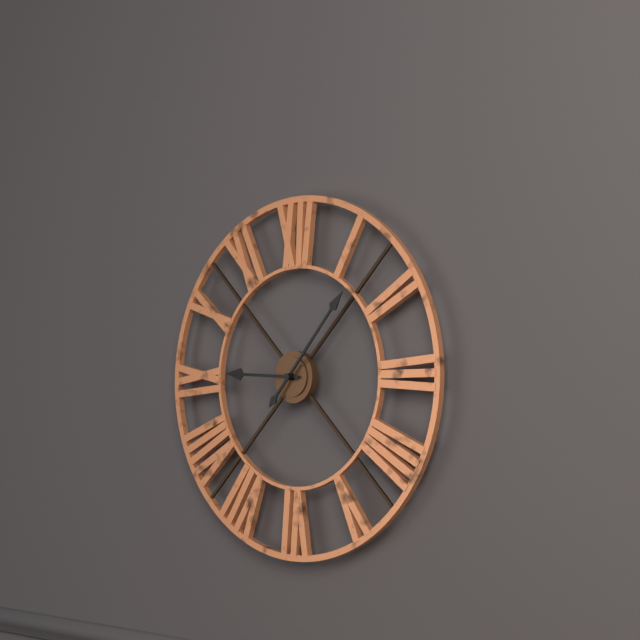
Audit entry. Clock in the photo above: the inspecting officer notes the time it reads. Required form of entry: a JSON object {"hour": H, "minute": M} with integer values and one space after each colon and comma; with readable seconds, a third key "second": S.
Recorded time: {"hour": 9, "minute": 7}
